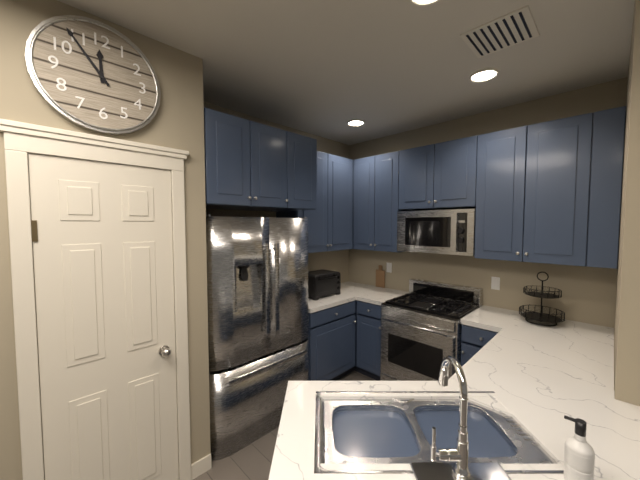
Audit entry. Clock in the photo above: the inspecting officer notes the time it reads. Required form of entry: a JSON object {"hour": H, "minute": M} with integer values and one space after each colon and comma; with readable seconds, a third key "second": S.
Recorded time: {"hour": 11, "minute": 54}
